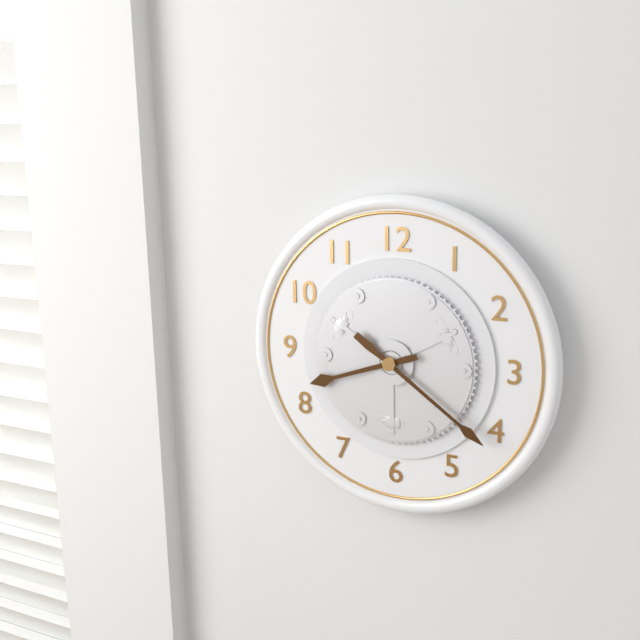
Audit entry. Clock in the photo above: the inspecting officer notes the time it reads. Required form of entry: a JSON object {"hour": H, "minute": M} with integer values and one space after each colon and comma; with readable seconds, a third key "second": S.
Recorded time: {"hour": 8, "minute": 21}
